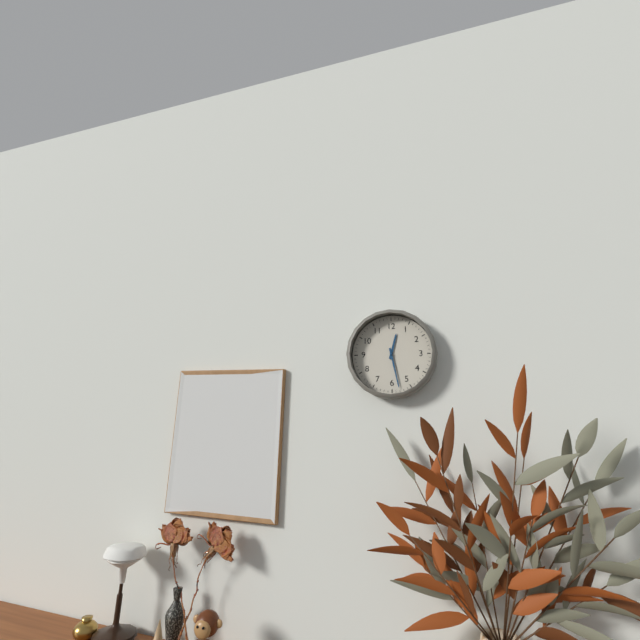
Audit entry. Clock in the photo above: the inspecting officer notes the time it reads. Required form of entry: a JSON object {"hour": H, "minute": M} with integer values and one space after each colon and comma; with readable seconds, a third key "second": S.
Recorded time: {"hour": 12, "minute": 28}
